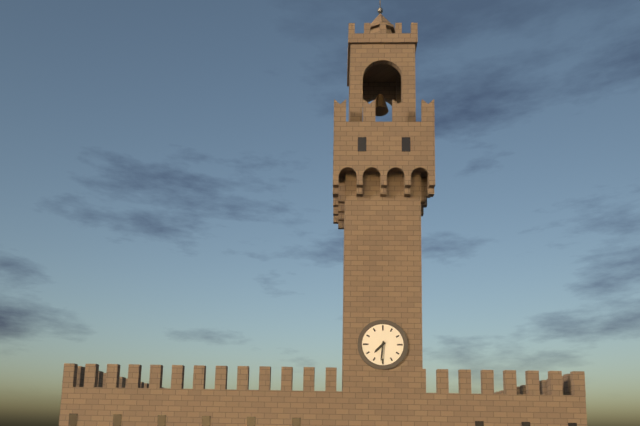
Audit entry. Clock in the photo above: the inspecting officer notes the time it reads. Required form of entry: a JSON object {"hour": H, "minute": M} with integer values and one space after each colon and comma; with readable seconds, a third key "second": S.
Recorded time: {"hour": 7, "minute": 31}
